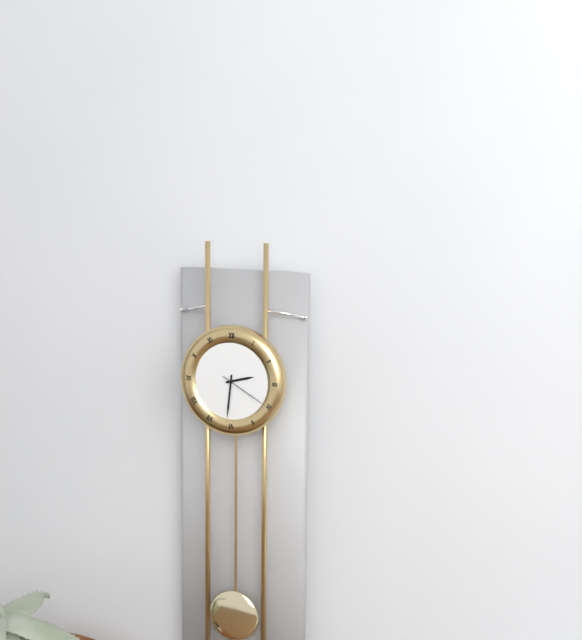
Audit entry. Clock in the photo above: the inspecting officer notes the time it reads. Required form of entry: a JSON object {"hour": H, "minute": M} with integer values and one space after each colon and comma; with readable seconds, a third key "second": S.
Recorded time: {"hour": 2, "minute": 31, "second": 20}
